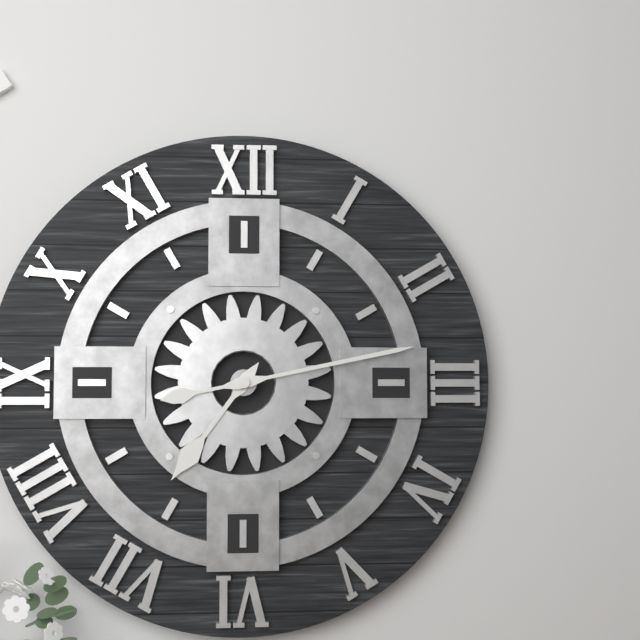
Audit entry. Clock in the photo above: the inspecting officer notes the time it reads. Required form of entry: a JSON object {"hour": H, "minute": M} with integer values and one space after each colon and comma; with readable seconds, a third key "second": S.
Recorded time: {"hour": 7, "minute": 13}
